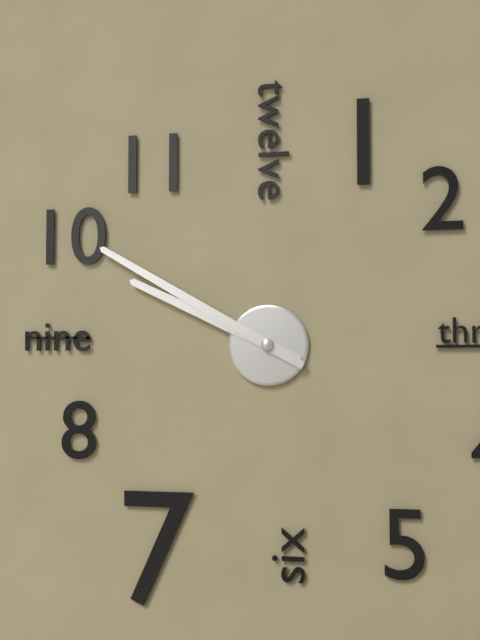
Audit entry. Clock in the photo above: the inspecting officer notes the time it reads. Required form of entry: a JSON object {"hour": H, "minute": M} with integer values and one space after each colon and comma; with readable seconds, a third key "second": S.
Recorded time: {"hour": 9, "minute": 50}
